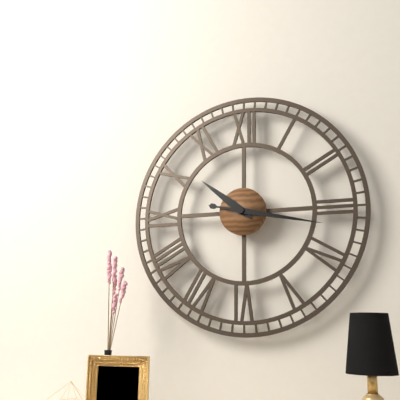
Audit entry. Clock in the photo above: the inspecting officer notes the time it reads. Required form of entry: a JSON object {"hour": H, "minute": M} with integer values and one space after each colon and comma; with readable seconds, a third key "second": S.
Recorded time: {"hour": 10, "minute": 17}
